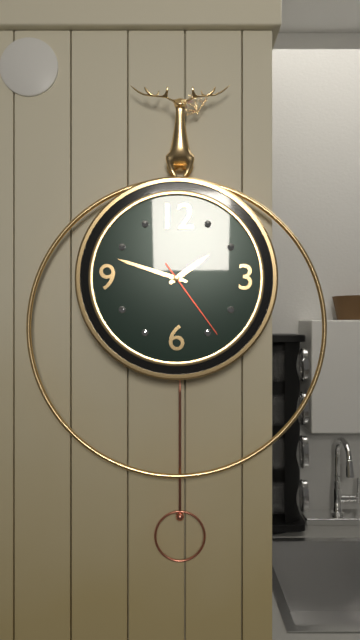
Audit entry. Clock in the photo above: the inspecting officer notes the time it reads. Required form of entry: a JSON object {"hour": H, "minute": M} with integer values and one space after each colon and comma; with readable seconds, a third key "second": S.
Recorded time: {"hour": 1, "minute": 48, "second": 24}
